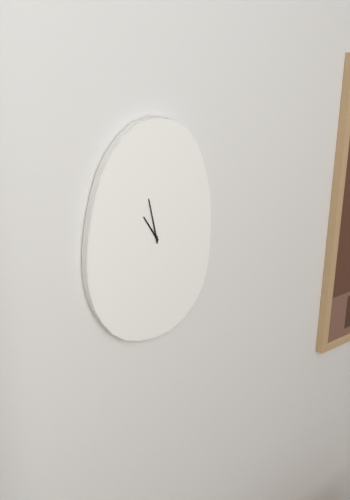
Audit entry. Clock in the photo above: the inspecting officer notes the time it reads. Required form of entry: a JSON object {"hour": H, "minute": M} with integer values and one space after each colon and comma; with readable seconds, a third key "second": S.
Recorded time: {"hour": 10, "minute": 58}
